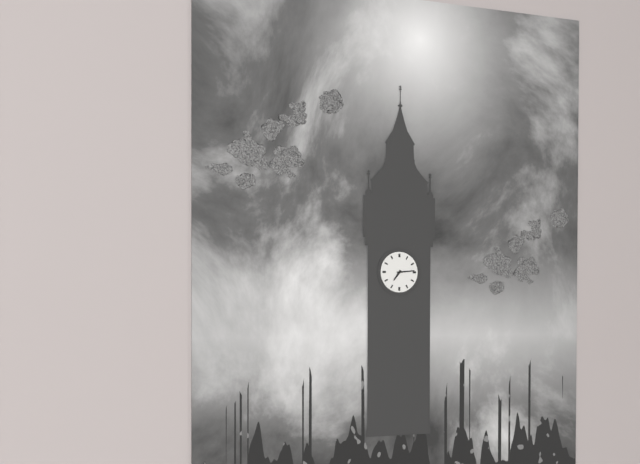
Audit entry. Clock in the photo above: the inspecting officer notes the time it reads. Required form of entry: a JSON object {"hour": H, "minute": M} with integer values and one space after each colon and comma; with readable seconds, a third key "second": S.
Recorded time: {"hour": 7, "minute": 14}
